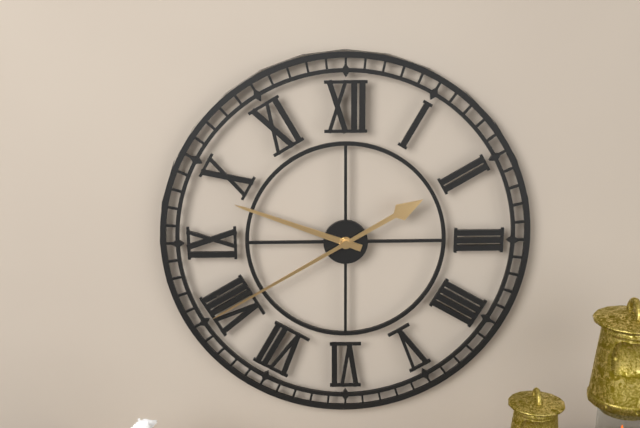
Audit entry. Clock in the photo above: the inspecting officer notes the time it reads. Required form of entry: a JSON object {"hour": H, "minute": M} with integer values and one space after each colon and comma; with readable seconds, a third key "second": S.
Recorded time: {"hour": 9, "minute": 40}
